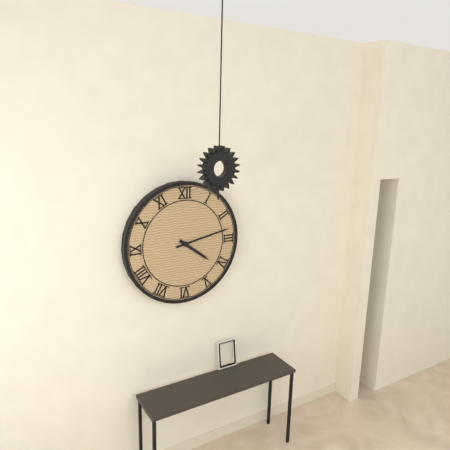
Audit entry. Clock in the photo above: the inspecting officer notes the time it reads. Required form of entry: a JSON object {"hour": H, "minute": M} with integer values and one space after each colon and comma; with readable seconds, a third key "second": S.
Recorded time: {"hour": 4, "minute": 13}
